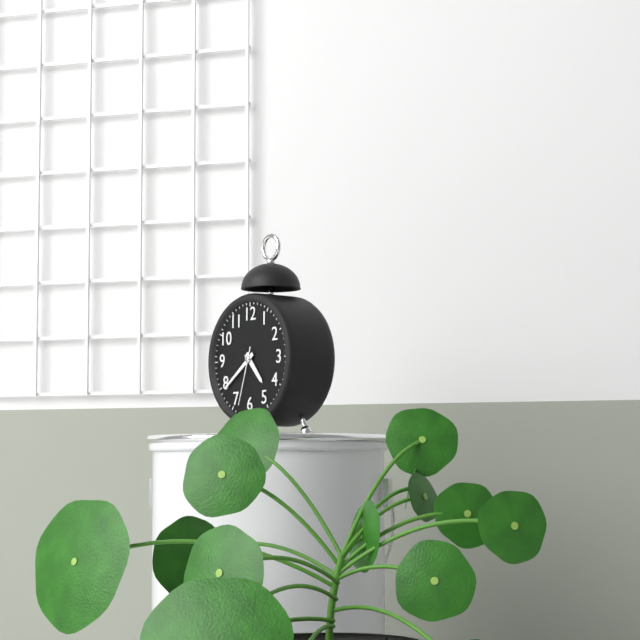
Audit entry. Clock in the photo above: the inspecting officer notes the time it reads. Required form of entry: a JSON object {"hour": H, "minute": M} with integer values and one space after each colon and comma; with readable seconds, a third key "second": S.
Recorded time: {"hour": 4, "minute": 39, "second": 33}
